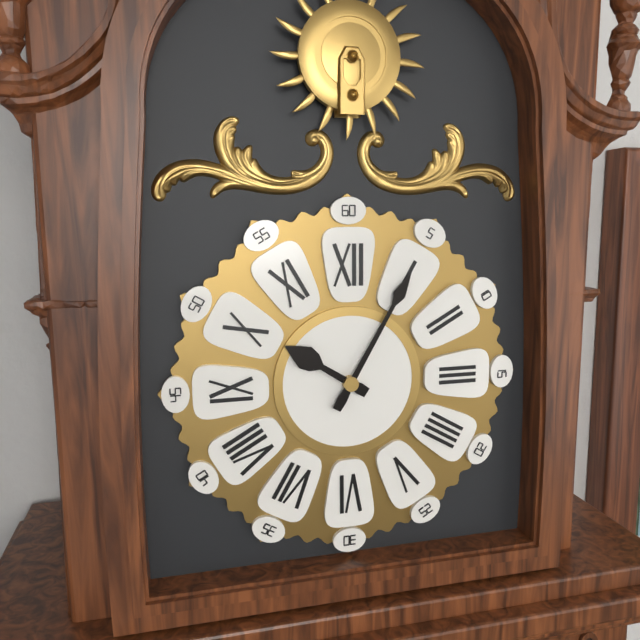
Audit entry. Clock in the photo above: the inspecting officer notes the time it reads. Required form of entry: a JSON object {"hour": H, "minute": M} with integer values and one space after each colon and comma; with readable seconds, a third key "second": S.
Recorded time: {"hour": 10, "minute": 5}
